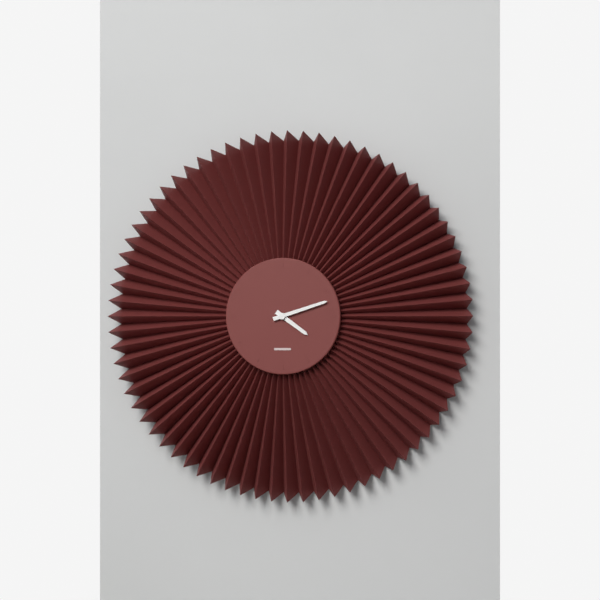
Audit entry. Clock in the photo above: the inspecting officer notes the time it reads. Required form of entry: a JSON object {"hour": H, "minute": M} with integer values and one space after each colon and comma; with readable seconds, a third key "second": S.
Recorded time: {"hour": 4, "minute": 12}
